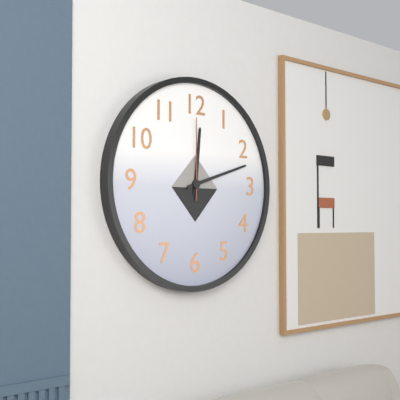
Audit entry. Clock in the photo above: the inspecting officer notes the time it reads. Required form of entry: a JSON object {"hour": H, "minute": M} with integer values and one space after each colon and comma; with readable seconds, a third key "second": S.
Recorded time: {"hour": 12, "minute": 12, "second": 0}
